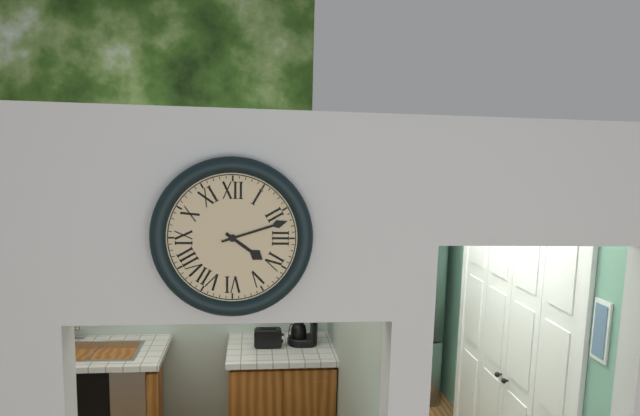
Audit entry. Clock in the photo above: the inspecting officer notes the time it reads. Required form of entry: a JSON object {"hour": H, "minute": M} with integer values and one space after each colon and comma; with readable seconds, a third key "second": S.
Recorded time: {"hour": 4, "minute": 12}
